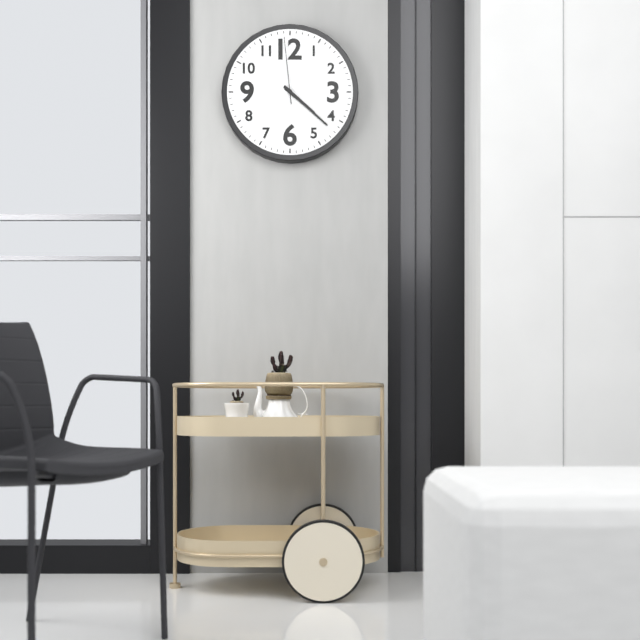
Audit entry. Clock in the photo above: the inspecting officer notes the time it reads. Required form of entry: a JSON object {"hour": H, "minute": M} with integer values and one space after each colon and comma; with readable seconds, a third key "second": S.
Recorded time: {"hour": 4, "minute": 22, "second": 59}
